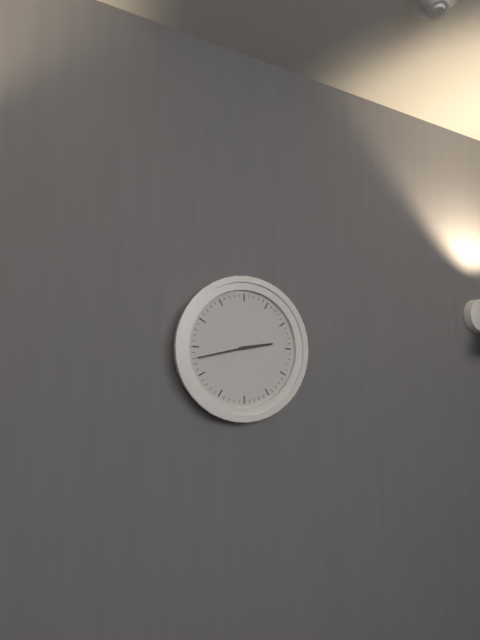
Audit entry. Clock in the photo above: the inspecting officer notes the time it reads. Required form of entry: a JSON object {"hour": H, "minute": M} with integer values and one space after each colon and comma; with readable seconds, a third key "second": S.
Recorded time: {"hour": 2, "minute": 43}
